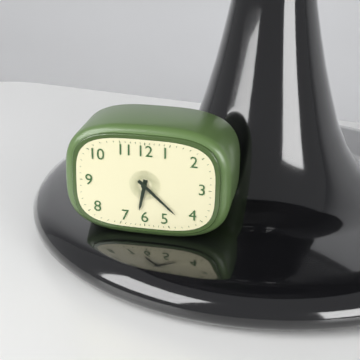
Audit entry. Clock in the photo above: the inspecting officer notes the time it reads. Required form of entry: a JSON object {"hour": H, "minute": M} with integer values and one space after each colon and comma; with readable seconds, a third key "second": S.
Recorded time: {"hour": 6, "minute": 22}
